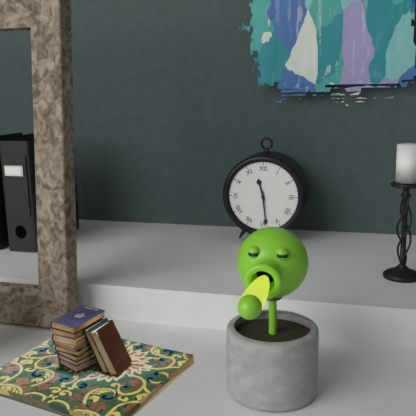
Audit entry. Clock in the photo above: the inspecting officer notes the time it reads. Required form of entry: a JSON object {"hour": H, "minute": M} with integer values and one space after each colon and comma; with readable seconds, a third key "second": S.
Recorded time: {"hour": 11, "minute": 29}
